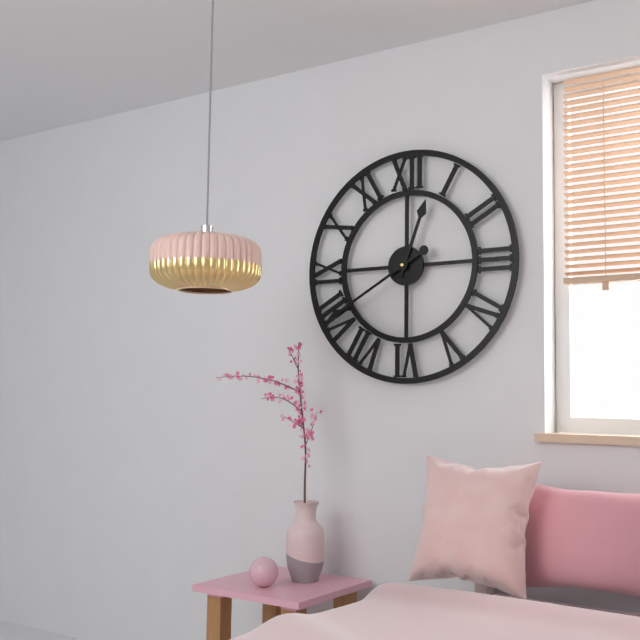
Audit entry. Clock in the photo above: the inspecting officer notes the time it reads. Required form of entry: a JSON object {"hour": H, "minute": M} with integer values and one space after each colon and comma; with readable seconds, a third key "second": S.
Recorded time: {"hour": 12, "minute": 40}
